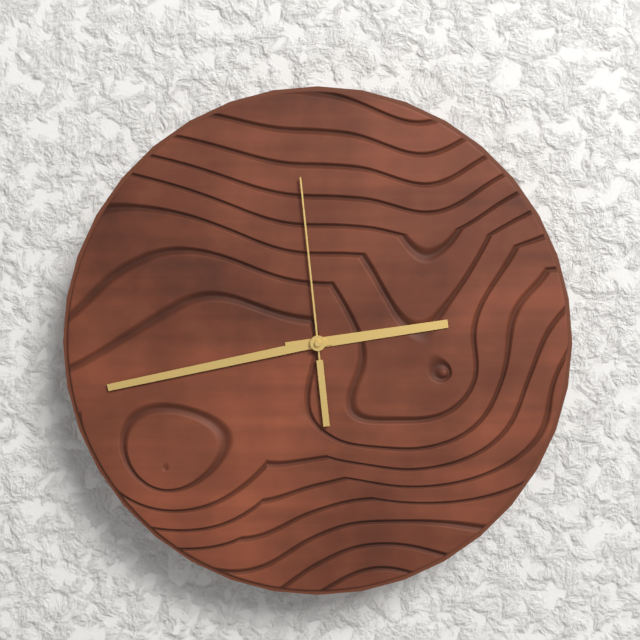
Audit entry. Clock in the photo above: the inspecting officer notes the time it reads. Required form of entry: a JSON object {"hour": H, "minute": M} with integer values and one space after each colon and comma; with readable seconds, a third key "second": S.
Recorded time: {"hour": 2, "minute": 43, "second": 59}
